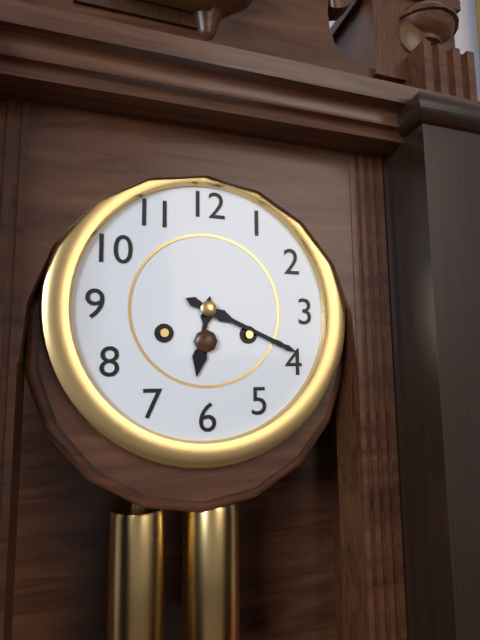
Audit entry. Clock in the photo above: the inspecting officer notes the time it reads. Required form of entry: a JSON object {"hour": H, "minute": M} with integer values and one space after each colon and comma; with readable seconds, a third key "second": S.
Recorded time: {"hour": 6, "minute": 19}
